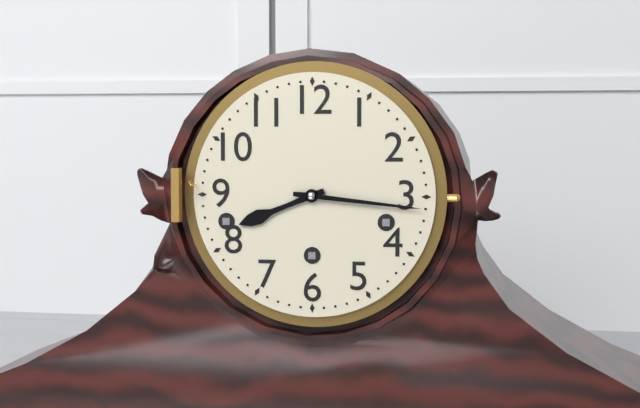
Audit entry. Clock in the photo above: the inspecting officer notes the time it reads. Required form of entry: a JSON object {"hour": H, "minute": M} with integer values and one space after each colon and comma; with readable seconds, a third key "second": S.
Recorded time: {"hour": 8, "minute": 16}
